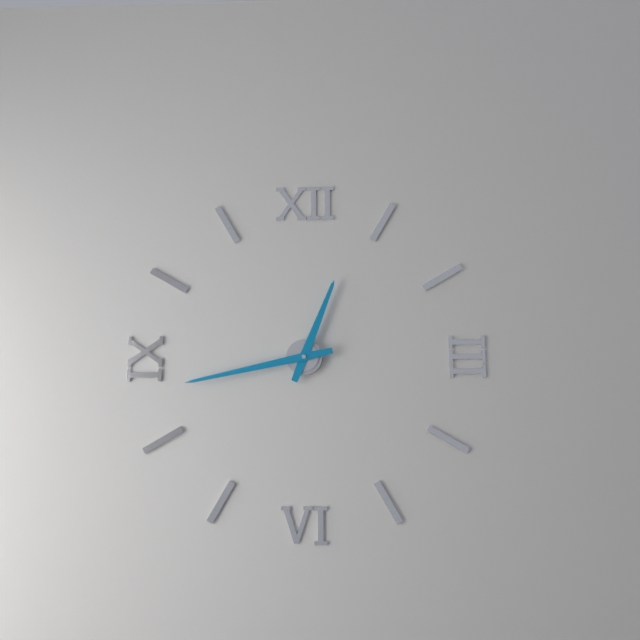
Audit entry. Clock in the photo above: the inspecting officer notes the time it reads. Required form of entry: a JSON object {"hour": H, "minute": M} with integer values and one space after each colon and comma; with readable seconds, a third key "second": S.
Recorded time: {"hour": 12, "minute": 43}
